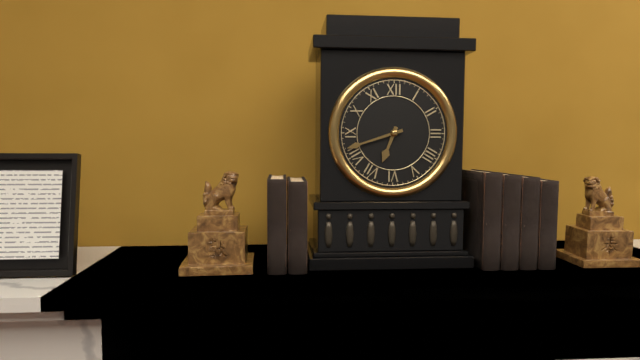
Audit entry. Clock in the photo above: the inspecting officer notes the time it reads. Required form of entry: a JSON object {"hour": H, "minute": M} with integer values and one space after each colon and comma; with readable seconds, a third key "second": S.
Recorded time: {"hour": 6, "minute": 42}
